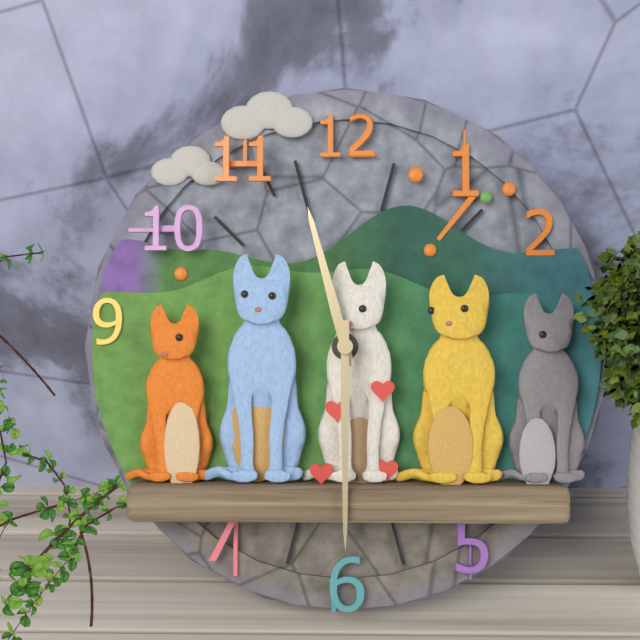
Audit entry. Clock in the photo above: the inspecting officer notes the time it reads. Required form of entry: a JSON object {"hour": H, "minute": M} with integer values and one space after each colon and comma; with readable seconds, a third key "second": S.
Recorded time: {"hour": 11, "minute": 30}
